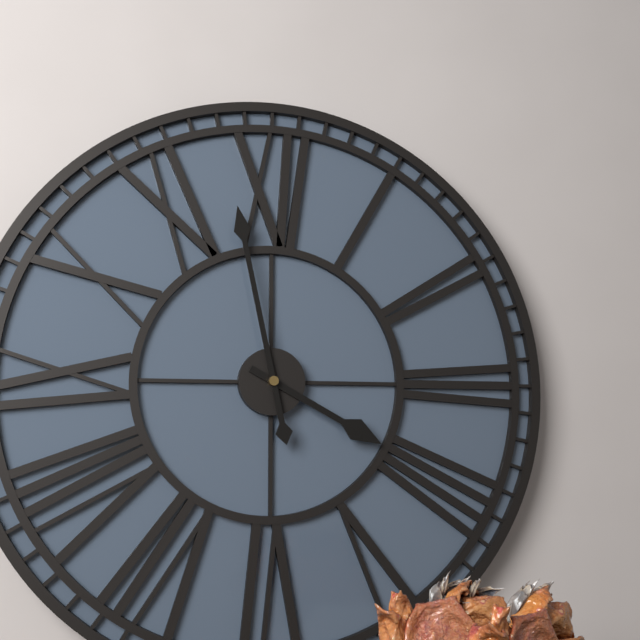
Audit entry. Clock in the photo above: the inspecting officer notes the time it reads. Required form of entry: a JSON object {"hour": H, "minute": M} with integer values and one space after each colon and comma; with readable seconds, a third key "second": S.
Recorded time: {"hour": 3, "minute": 58}
